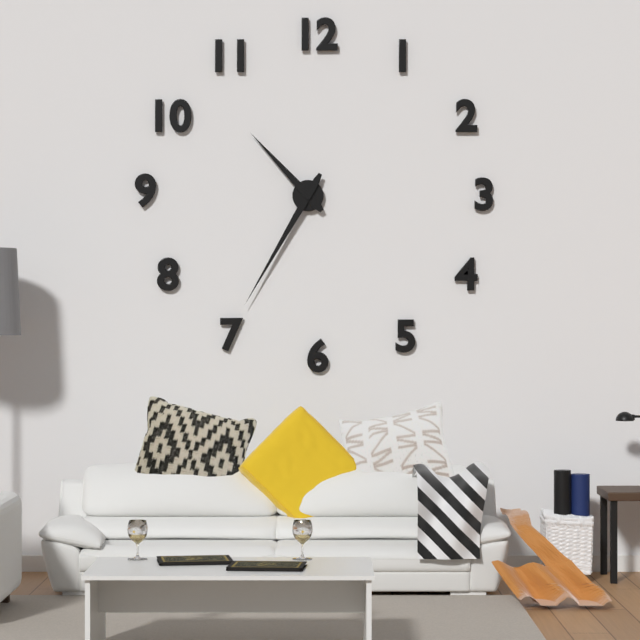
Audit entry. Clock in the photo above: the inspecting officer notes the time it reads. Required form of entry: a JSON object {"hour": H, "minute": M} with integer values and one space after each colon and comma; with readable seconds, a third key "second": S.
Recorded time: {"hour": 10, "minute": 35}
